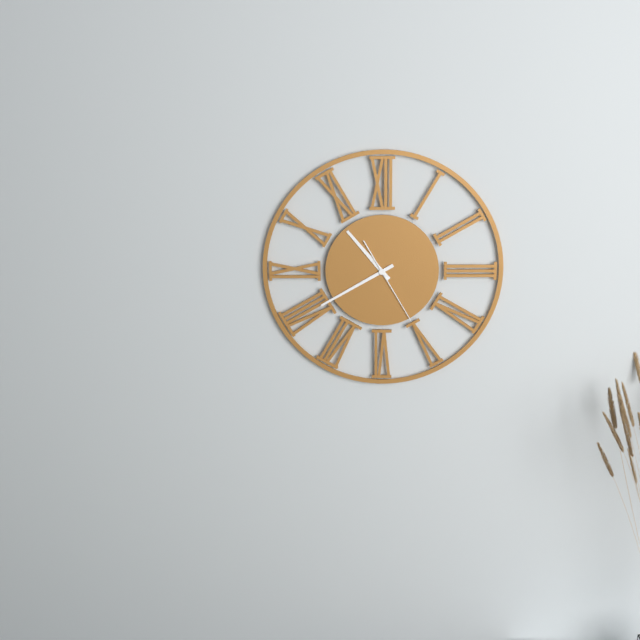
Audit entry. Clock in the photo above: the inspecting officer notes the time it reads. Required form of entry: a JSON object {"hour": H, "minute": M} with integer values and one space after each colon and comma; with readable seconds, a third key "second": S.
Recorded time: {"hour": 10, "minute": 40, "second": 25}
